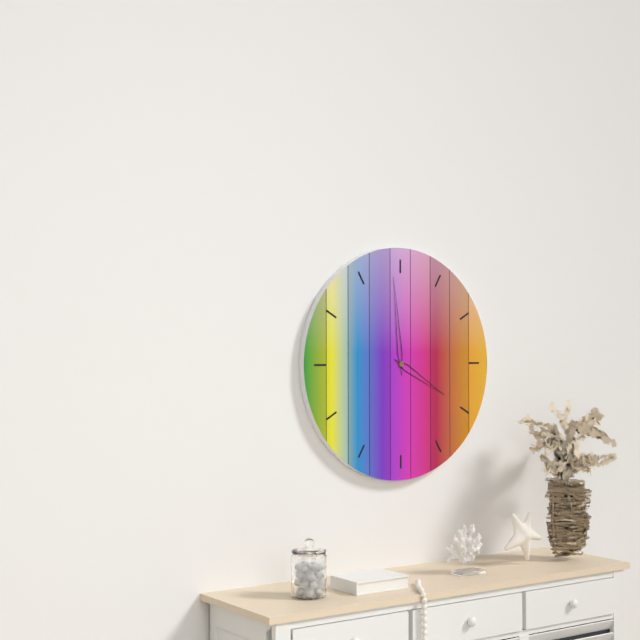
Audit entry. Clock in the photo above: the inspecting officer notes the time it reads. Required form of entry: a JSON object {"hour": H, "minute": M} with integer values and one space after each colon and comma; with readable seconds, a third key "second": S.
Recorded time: {"hour": 3, "minute": 59}
